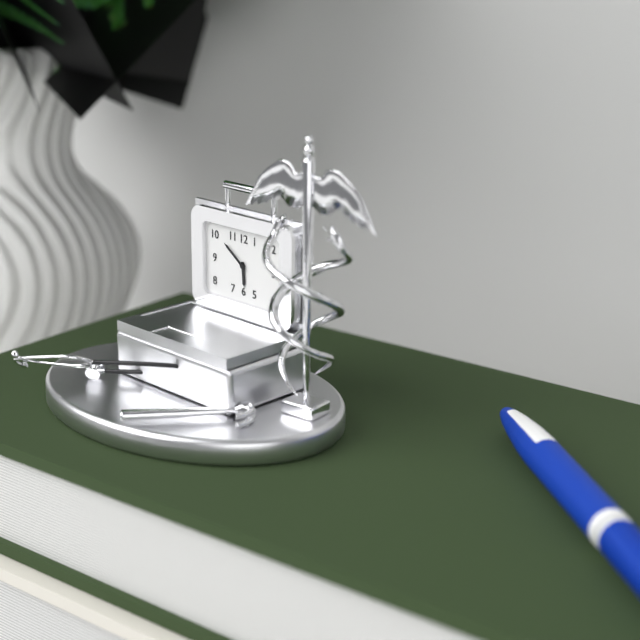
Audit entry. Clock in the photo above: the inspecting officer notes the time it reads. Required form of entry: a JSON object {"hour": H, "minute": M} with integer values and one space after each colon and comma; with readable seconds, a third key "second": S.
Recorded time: {"hour": 5, "minute": 51}
